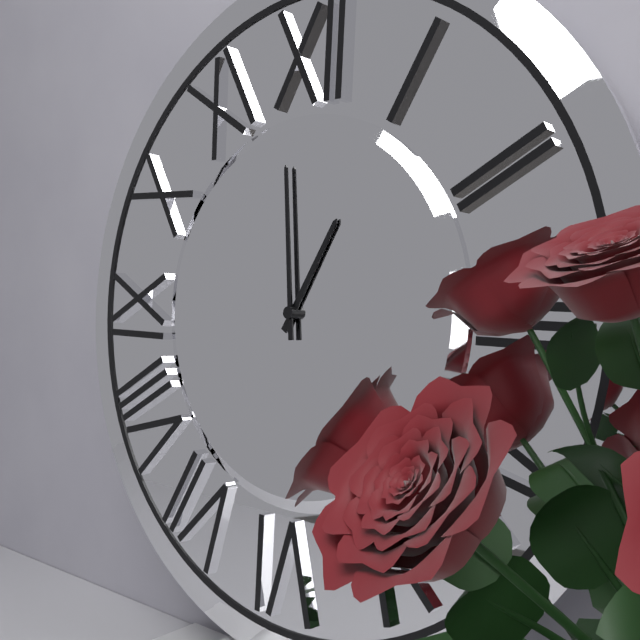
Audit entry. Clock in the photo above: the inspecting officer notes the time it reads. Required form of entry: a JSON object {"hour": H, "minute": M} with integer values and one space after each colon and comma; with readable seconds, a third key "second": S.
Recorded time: {"hour": 12, "minute": 59}
